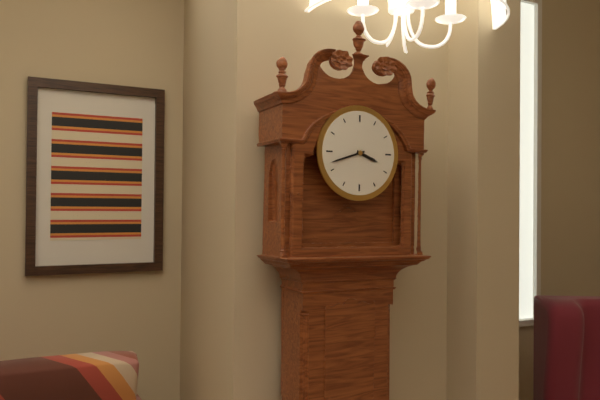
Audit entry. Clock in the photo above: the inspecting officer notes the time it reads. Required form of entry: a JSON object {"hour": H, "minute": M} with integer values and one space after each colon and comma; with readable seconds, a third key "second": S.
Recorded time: {"hour": 3, "minute": 42}
